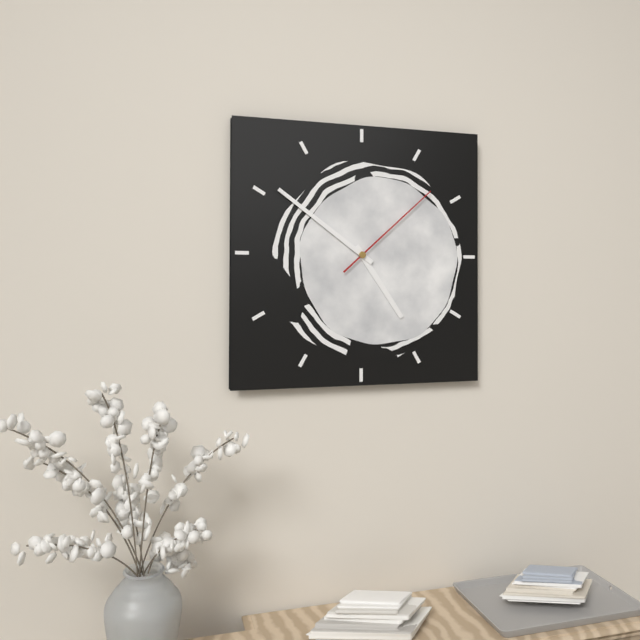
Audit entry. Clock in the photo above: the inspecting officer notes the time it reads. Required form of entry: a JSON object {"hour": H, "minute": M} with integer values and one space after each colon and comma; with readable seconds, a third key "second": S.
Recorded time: {"hour": 4, "minute": 51, "second": 8}
